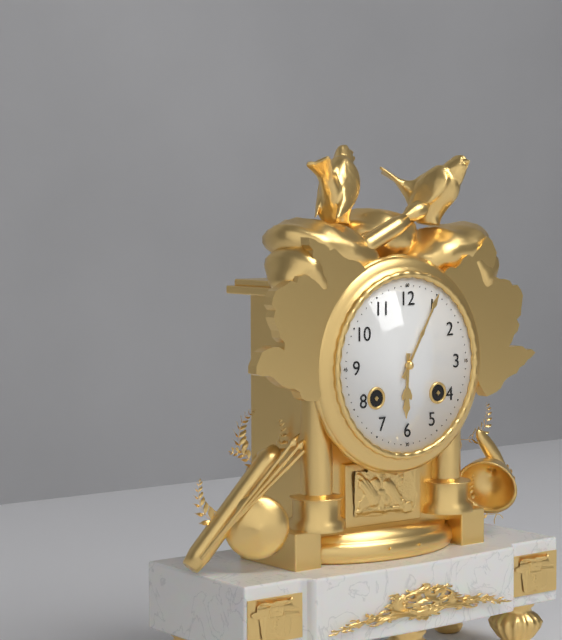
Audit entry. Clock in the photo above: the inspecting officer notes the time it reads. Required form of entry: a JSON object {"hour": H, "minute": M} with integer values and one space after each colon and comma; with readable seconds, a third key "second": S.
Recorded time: {"hour": 6, "minute": 5}
